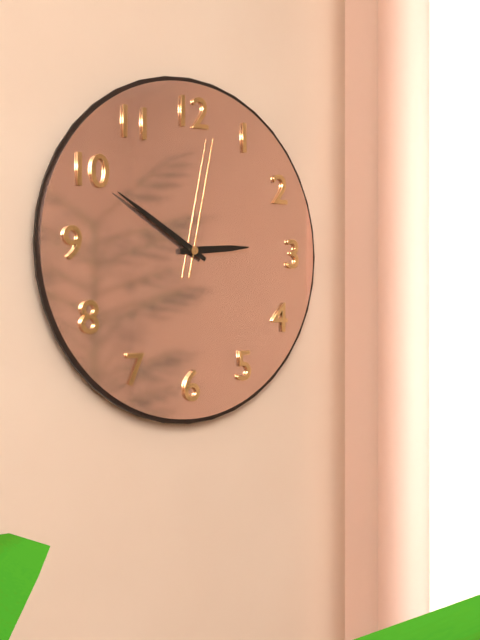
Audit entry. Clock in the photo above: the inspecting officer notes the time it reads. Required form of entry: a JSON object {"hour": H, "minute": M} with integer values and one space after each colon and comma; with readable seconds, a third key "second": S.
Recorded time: {"hour": 2, "minute": 50, "second": 2}
